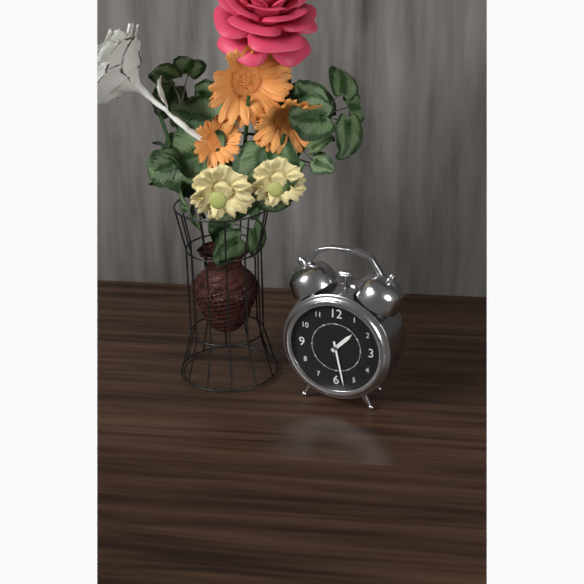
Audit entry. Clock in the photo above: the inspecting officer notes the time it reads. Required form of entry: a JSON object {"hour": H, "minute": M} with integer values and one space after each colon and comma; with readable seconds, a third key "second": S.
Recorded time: {"hour": 1, "minute": 28}
